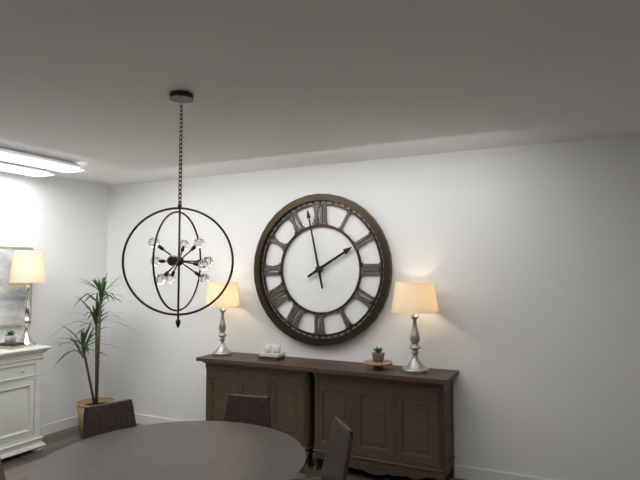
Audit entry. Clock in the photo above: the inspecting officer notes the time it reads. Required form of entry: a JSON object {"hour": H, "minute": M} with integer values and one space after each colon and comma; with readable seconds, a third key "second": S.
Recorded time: {"hour": 1, "minute": 58}
